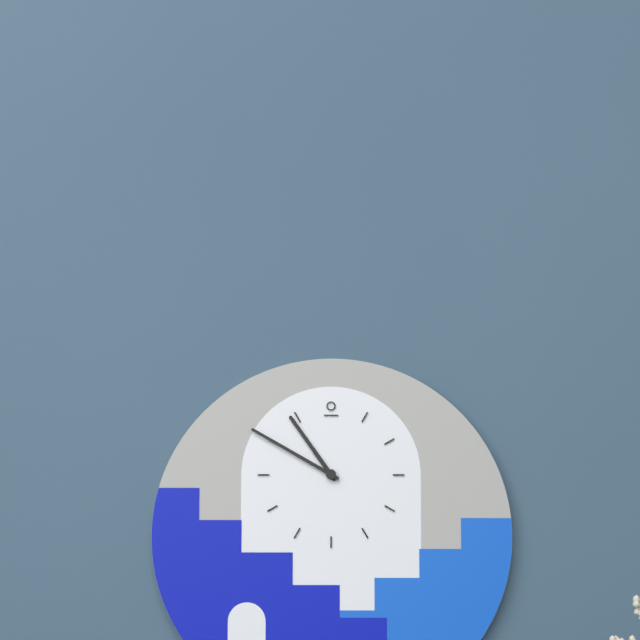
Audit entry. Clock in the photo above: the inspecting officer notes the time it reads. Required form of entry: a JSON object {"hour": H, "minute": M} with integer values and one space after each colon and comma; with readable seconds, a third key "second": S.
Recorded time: {"hour": 10, "minute": 50}
